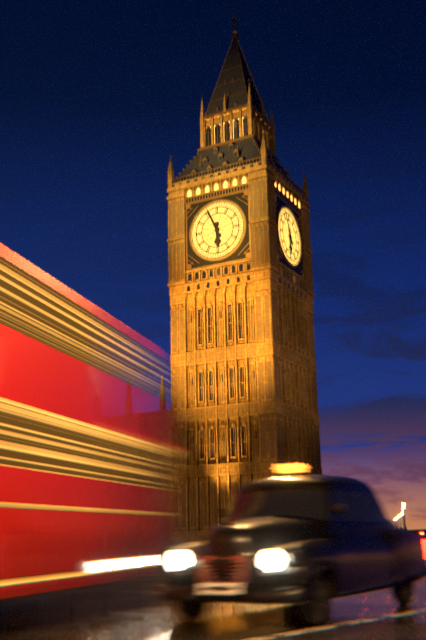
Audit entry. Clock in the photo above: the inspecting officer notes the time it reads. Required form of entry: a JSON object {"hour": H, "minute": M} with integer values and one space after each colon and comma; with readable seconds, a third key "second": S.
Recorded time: {"hour": 5, "minute": 56}
